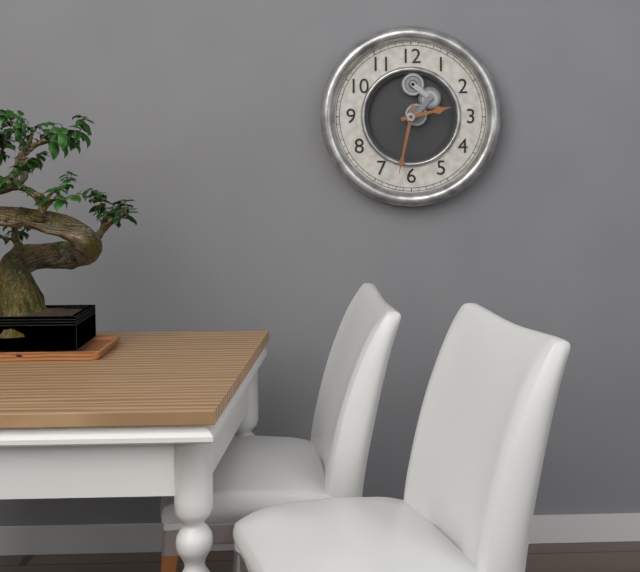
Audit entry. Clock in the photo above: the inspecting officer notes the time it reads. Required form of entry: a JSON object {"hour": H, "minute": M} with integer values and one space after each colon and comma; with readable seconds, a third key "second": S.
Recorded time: {"hour": 2, "minute": 32}
